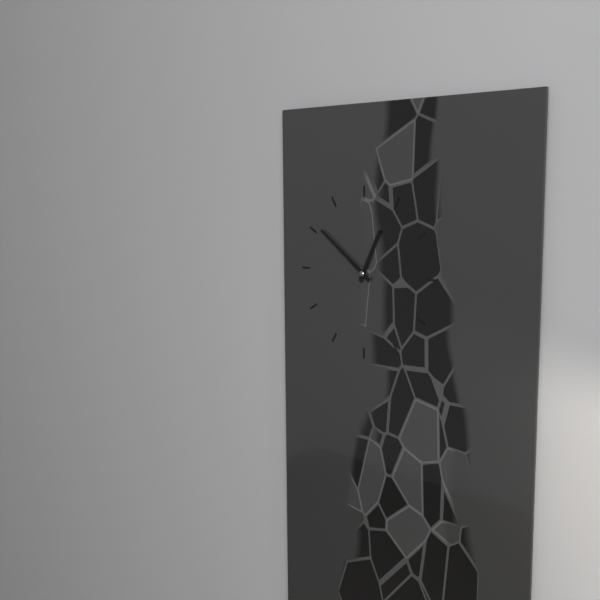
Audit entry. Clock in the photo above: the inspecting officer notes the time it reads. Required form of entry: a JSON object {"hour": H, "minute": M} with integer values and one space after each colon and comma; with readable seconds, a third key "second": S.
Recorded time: {"hour": 12, "minute": 51}
